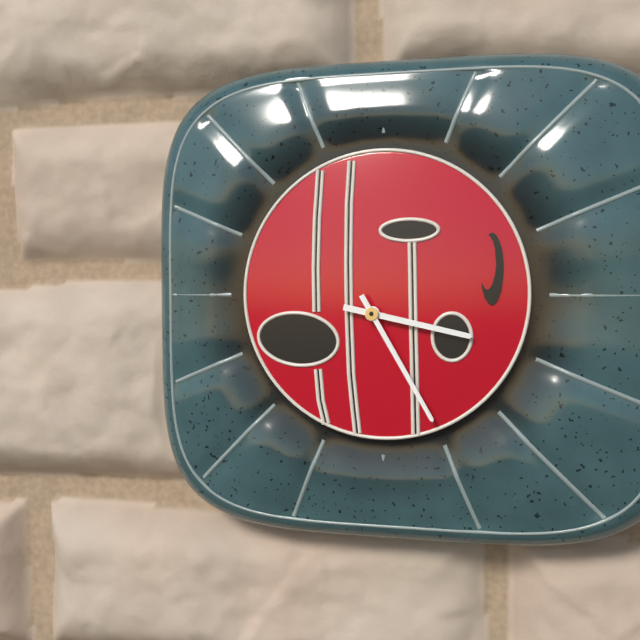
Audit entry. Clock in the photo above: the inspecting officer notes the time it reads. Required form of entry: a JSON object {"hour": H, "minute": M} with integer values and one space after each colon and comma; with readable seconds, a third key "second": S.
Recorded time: {"hour": 3, "minute": 25}
